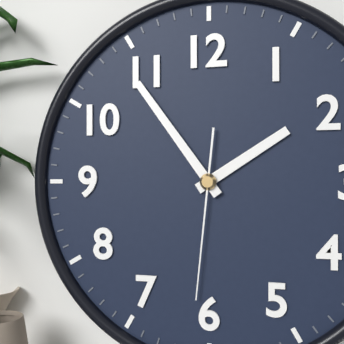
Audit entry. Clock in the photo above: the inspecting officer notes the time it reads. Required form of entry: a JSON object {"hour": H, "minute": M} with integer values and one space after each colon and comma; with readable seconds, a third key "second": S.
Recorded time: {"hour": 1, "minute": 54, "second": 31}
